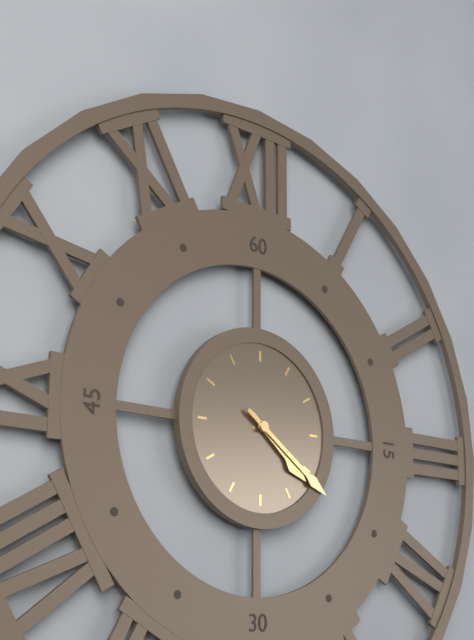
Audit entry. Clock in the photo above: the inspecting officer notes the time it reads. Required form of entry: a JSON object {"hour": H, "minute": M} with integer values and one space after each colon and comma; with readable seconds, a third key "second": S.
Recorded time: {"hour": 4, "minute": 21}
